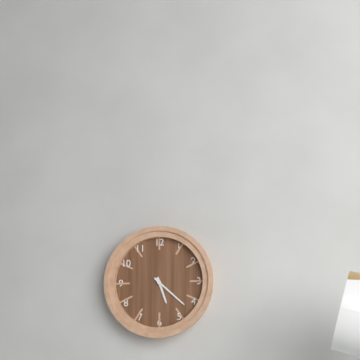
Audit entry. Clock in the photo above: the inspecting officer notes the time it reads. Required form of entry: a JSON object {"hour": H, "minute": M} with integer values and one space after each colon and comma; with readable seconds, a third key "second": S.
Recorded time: {"hour": 5, "minute": 22}
